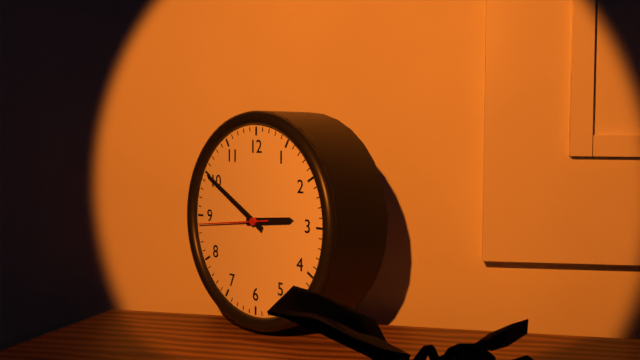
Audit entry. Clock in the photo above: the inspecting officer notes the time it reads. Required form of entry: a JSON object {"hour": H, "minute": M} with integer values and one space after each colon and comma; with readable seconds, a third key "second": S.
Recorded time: {"hour": 2, "minute": 50, "second": 44}
